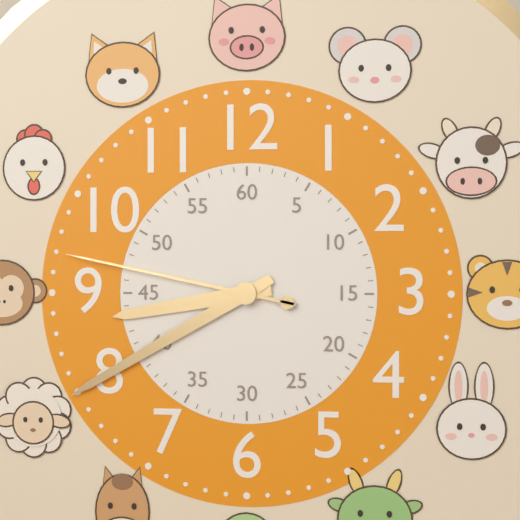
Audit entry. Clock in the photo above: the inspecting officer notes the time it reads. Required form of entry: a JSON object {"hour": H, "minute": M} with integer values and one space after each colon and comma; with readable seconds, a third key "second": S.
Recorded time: {"hour": 8, "minute": 40, "second": 47}
